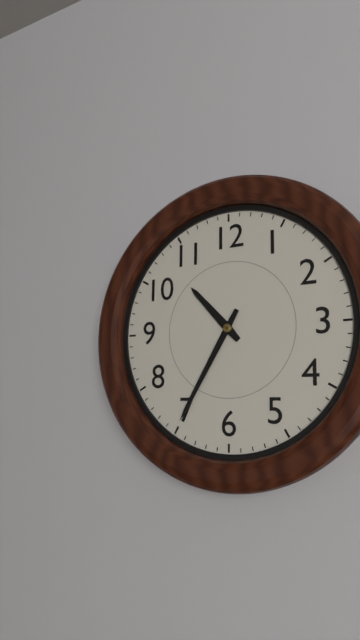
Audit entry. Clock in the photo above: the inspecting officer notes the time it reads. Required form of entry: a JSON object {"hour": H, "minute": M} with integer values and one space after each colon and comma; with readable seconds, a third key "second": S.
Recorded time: {"hour": 10, "minute": 35}
